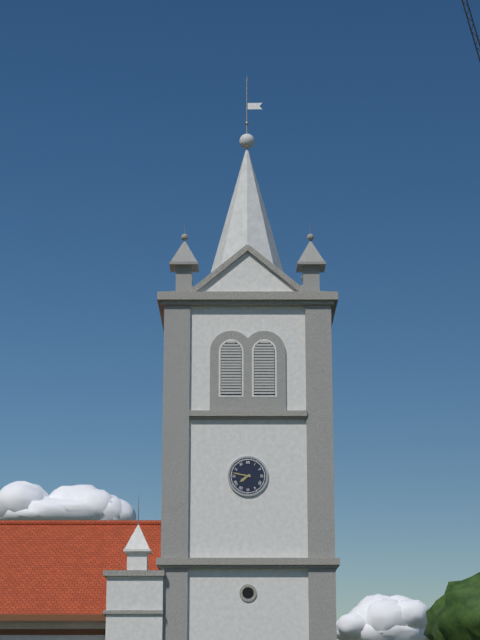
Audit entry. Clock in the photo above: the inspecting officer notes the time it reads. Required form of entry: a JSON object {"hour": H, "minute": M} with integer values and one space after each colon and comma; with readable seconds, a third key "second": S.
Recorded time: {"hour": 7, "minute": 47}
